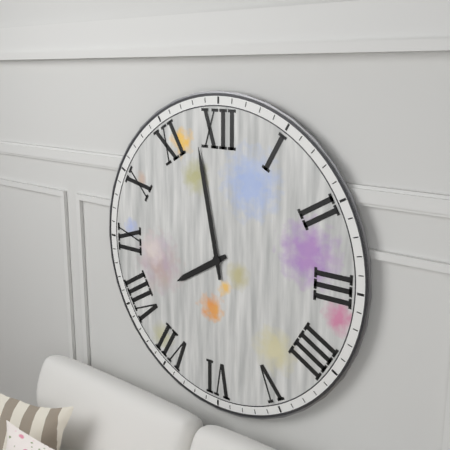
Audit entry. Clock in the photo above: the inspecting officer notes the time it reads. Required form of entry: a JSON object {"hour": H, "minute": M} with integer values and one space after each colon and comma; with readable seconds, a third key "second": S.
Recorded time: {"hour": 7, "minute": 58}
